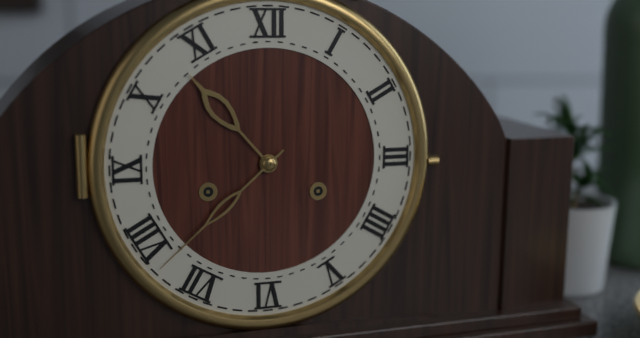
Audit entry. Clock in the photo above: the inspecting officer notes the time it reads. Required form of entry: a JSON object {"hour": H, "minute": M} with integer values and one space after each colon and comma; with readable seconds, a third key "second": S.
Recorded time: {"hour": 10, "minute": 38}
